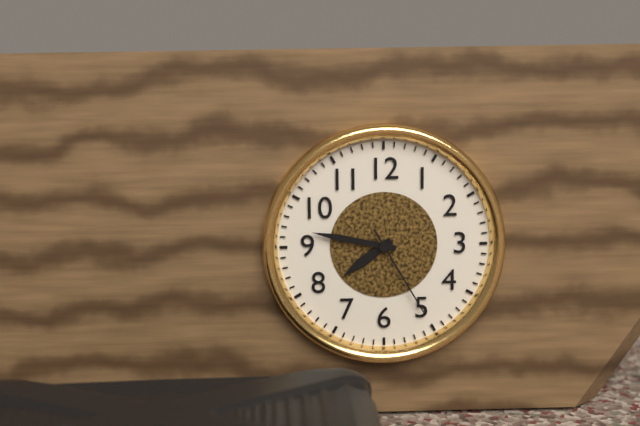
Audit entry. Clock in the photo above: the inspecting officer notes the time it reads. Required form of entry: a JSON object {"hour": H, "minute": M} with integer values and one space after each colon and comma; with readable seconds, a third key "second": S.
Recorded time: {"hour": 7, "minute": 47, "second": 25}
